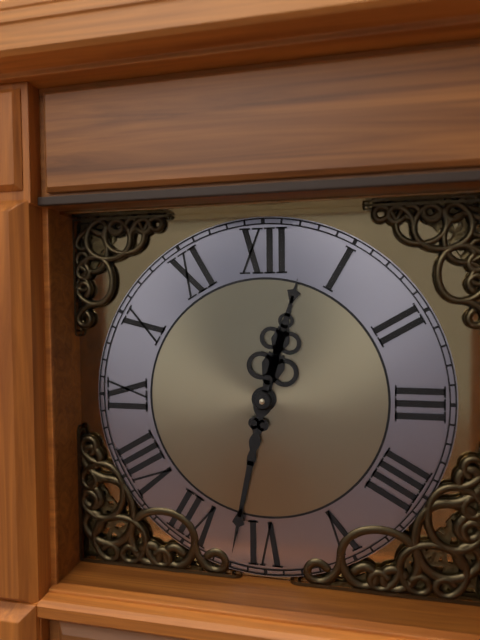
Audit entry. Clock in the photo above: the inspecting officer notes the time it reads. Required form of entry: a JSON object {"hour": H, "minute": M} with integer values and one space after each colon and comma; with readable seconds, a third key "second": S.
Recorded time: {"hour": 12, "minute": 32}
